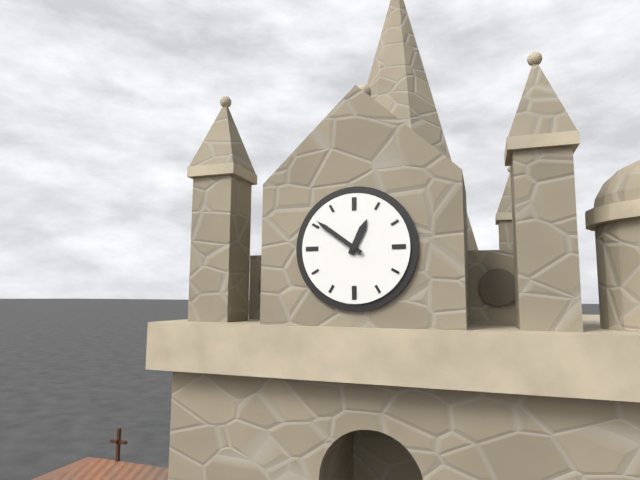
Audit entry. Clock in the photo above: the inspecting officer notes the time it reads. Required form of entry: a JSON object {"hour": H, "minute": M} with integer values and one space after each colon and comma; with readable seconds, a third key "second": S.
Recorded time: {"hour": 12, "minute": 51}
